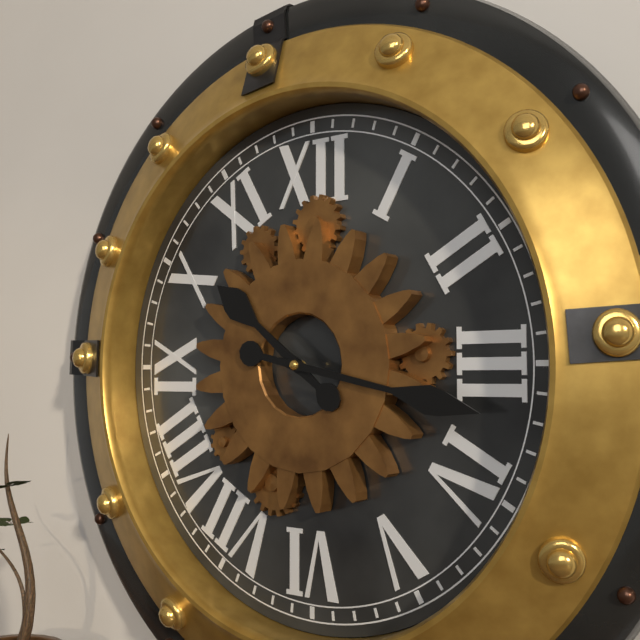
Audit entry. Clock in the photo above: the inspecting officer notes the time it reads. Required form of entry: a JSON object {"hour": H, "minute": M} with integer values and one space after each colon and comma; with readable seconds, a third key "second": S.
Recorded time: {"hour": 10, "minute": 17}
